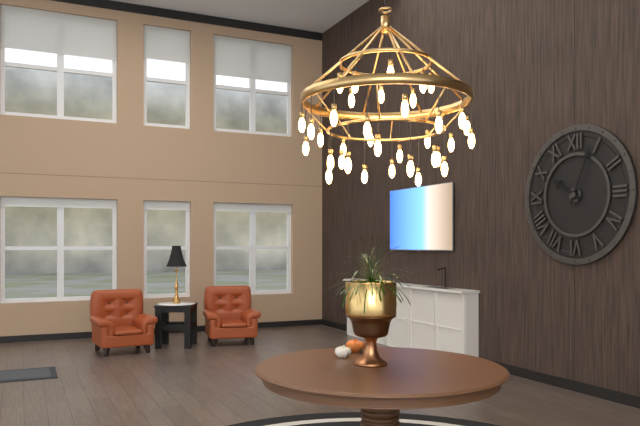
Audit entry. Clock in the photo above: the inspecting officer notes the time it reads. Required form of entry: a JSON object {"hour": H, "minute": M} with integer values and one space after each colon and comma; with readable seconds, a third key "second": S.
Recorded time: {"hour": 10, "minute": 4}
